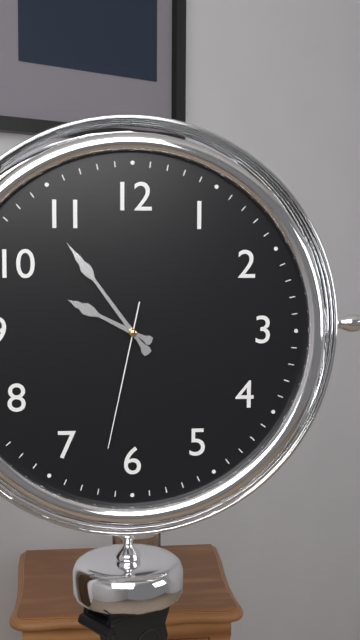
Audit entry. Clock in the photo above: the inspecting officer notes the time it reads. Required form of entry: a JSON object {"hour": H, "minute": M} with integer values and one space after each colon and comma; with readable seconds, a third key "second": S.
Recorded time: {"hour": 9, "minute": 54, "second": 32}
